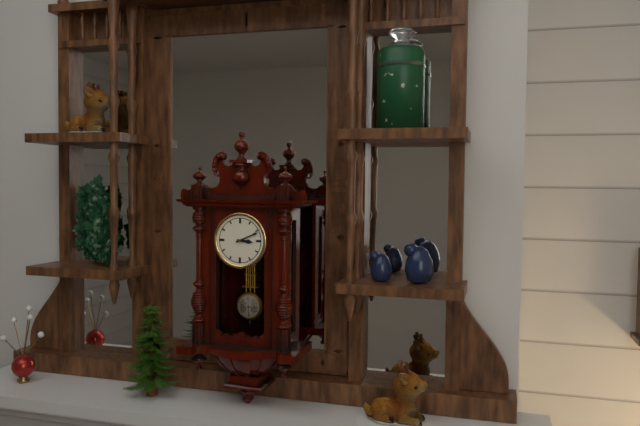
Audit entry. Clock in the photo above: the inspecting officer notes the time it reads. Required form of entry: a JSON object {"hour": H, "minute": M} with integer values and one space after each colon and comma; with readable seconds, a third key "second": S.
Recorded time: {"hour": 3, "minute": 11}
